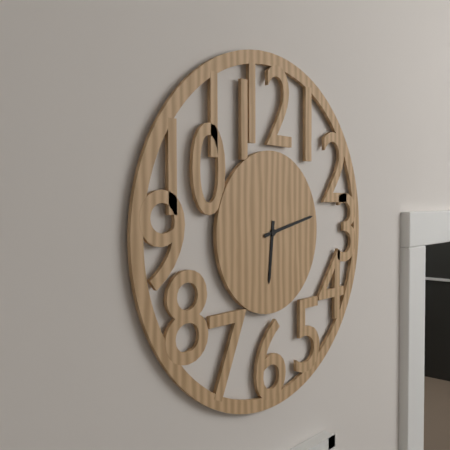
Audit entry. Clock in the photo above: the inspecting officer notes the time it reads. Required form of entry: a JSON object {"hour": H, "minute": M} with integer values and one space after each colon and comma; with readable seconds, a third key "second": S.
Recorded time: {"hour": 6, "minute": 13}
